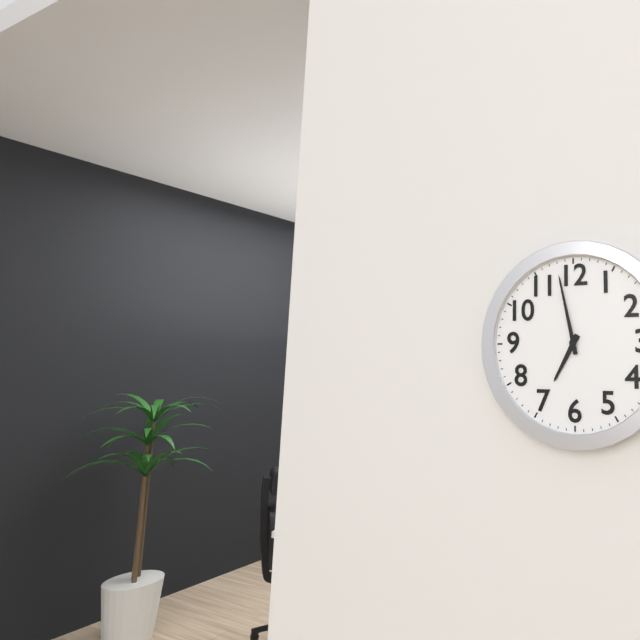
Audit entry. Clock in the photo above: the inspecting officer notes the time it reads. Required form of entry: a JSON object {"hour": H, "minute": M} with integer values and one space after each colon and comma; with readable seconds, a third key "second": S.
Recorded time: {"hour": 6, "minute": 58}
